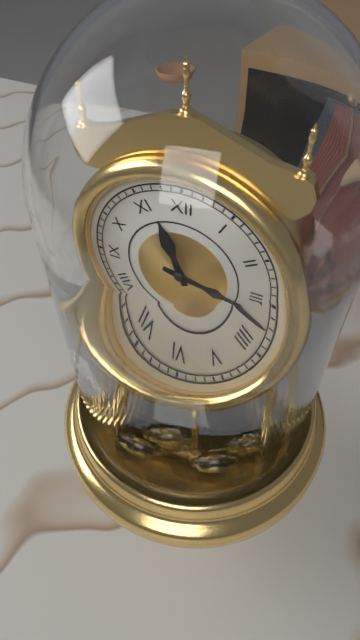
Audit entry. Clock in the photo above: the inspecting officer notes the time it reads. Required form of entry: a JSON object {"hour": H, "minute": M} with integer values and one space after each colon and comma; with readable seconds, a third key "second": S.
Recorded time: {"hour": 11, "minute": 17}
